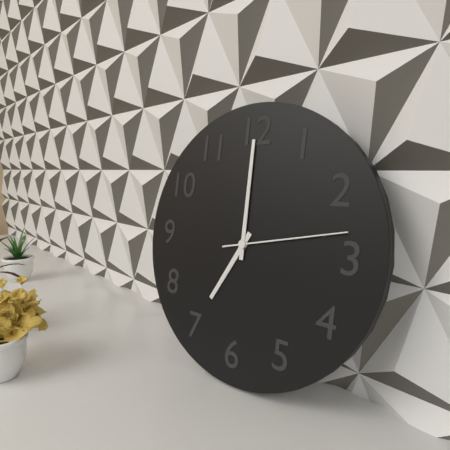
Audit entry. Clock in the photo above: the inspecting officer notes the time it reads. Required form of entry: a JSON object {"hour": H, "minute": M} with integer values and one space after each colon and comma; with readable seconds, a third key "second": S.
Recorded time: {"hour": 7, "minute": 0, "second": 13}
